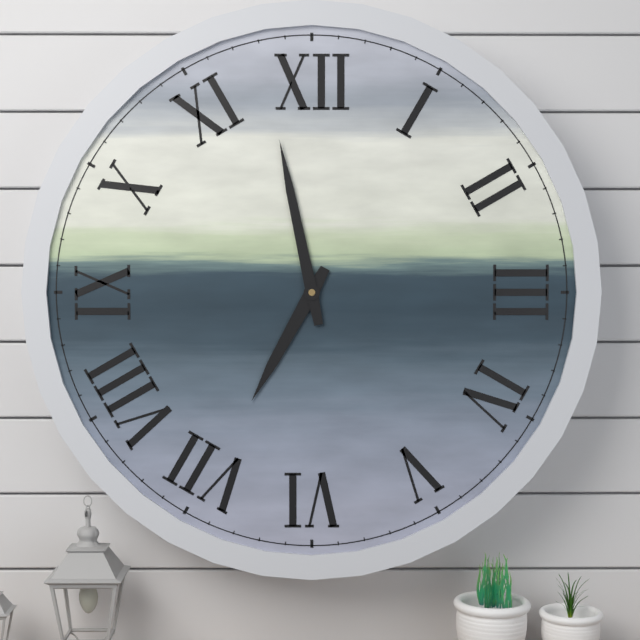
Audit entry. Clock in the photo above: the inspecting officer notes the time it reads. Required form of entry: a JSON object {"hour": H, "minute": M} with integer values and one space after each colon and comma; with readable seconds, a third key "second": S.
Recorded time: {"hour": 6, "minute": 58}
